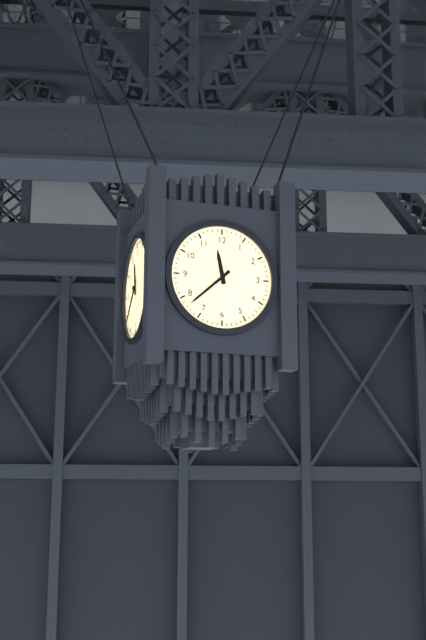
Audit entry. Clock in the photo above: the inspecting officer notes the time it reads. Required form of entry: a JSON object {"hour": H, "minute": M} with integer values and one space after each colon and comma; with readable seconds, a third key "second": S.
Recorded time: {"hour": 11, "minute": 38}
